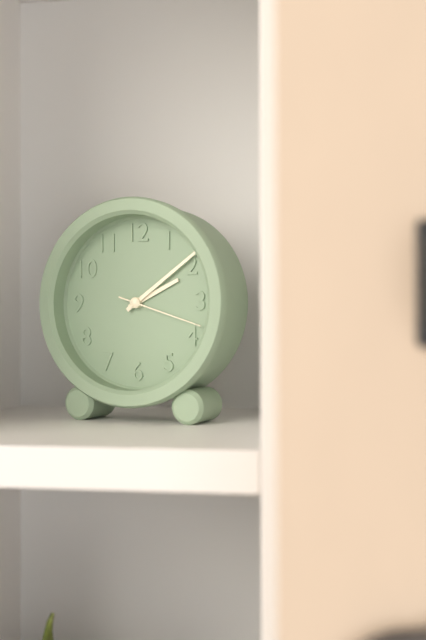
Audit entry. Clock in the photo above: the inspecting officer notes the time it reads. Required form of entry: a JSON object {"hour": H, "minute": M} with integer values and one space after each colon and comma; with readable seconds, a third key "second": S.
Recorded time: {"hour": 2, "minute": 9, "second": 18}
